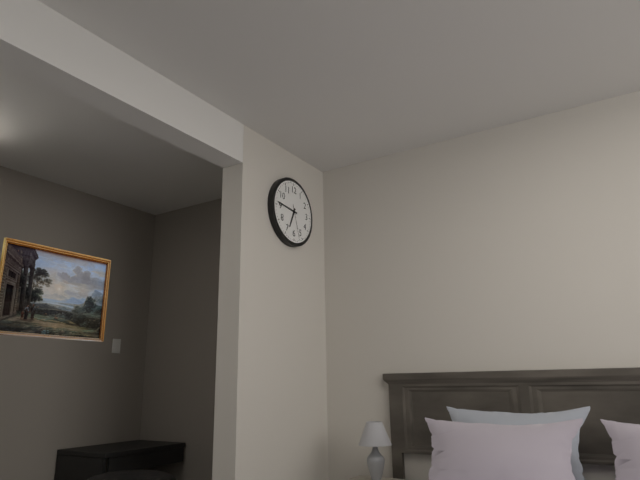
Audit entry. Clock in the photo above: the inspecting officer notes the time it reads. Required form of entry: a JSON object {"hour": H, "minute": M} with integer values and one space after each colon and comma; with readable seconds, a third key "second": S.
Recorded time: {"hour": 6, "minute": 46}
